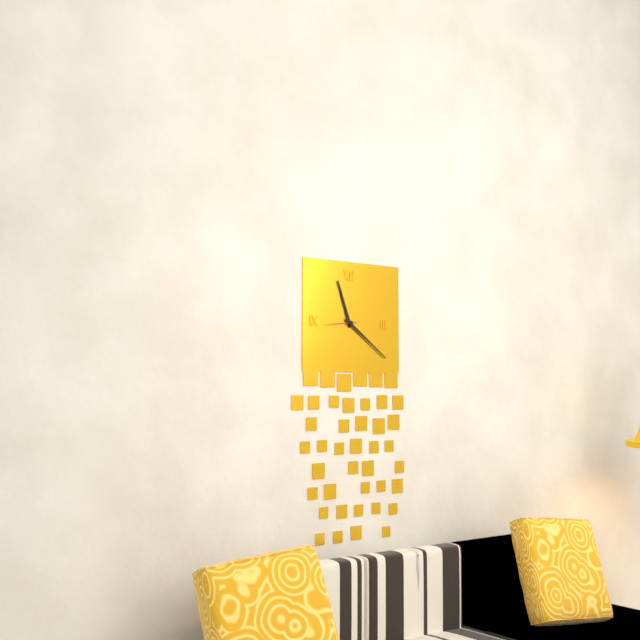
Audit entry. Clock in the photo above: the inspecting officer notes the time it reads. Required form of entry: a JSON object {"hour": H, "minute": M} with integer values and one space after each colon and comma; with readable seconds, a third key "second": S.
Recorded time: {"hour": 11, "minute": 21}
